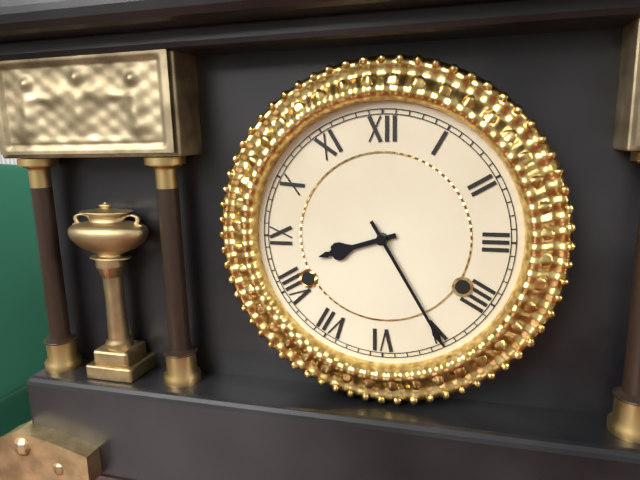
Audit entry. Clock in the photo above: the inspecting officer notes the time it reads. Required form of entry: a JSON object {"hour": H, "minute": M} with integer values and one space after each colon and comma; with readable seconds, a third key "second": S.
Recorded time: {"hour": 8, "minute": 25}
